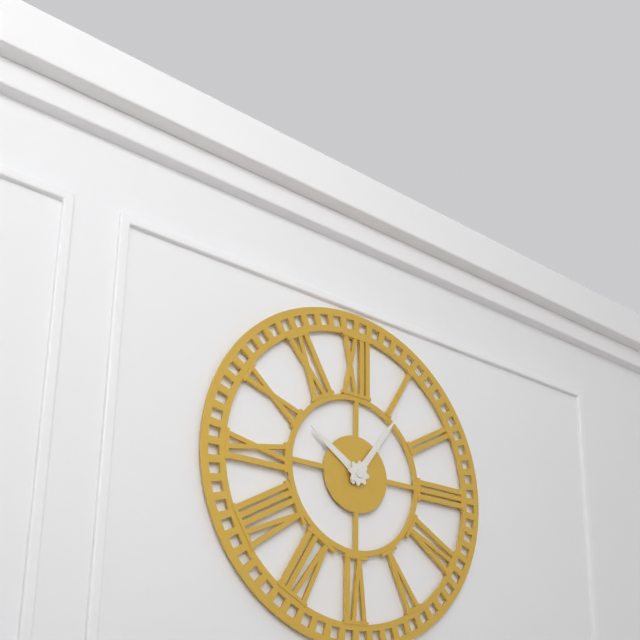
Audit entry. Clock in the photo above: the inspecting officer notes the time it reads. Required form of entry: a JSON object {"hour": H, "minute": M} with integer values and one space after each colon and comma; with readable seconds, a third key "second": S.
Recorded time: {"hour": 10, "minute": 6}
